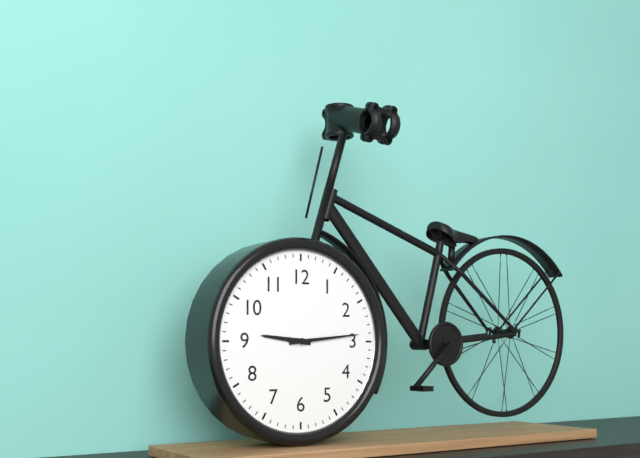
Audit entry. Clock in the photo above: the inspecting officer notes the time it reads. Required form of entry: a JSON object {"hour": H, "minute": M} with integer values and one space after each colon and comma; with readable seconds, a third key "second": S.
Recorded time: {"hour": 9, "minute": 14}
